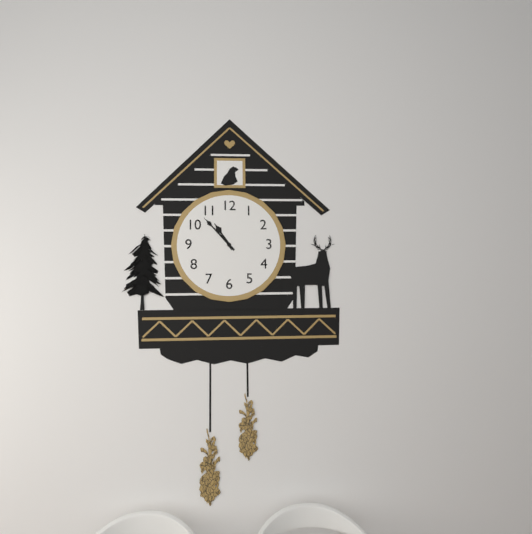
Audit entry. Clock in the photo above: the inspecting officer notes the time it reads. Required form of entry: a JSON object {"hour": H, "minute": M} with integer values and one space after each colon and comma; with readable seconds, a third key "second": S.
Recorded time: {"hour": 10, "minute": 53}
